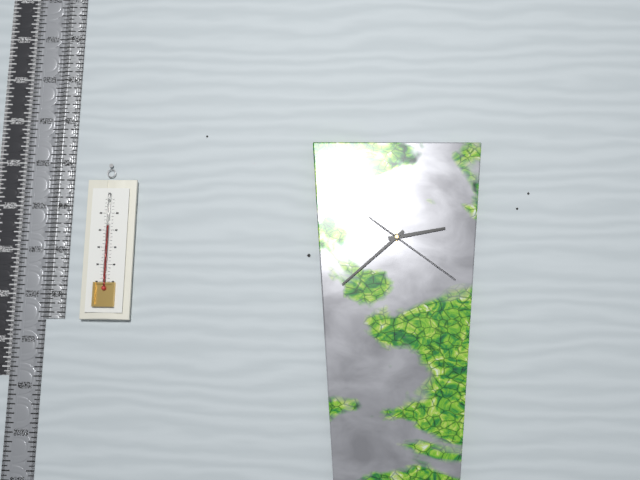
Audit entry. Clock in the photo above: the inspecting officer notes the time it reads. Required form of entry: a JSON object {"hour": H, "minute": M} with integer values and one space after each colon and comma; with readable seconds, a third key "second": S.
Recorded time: {"hour": 2, "minute": 38, "second": 21}
